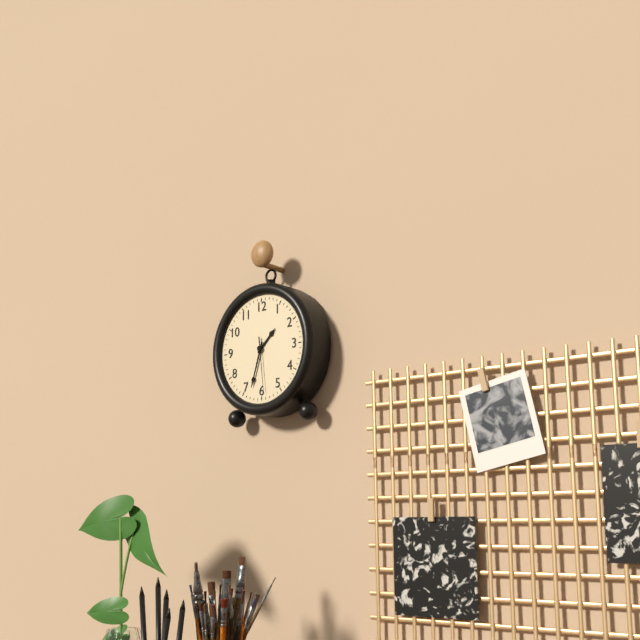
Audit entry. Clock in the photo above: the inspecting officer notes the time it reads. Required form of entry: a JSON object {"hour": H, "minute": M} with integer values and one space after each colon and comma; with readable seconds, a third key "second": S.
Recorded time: {"hour": 1, "minute": 33, "second": 29}
